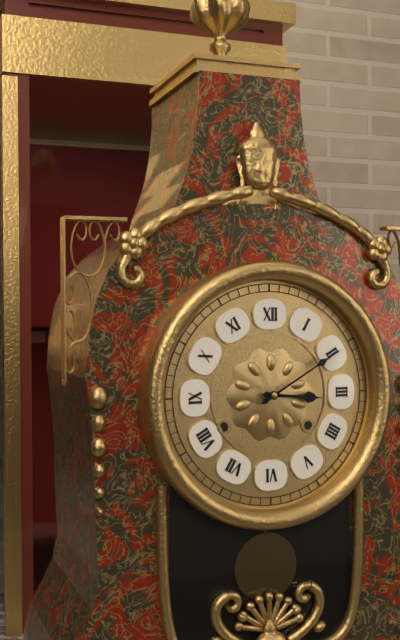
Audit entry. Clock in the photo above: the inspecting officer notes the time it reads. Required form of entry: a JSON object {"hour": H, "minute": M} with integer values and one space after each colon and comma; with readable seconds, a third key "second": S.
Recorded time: {"hour": 3, "minute": 10}
